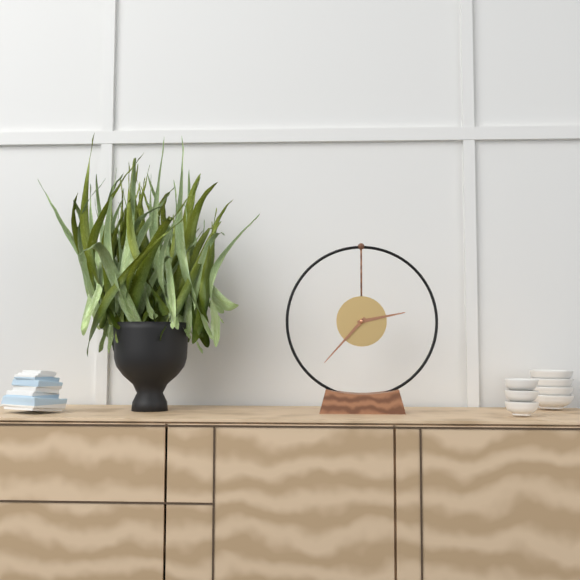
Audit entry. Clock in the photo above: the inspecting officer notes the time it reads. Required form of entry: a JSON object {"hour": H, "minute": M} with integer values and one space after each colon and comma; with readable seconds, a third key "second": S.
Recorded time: {"hour": 2, "minute": 37}
